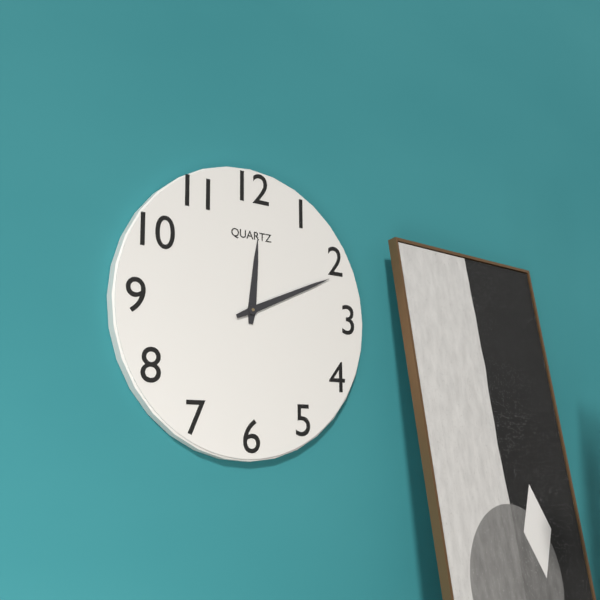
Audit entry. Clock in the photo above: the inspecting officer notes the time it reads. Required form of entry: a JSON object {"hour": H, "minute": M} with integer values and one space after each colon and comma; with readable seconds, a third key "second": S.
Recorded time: {"hour": 12, "minute": 11}
